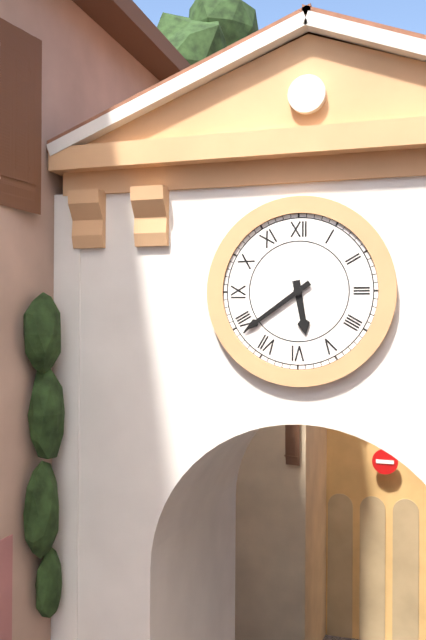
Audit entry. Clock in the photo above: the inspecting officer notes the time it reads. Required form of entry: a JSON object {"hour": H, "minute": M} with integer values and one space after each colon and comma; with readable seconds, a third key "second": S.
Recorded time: {"hour": 5, "minute": 39}
